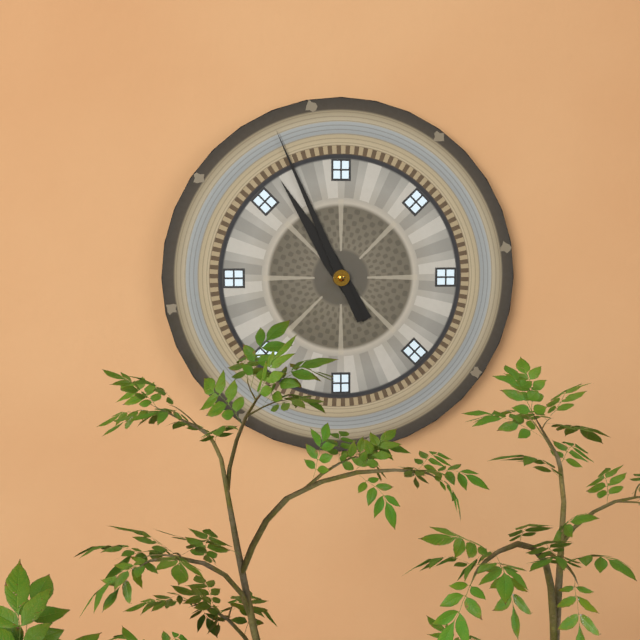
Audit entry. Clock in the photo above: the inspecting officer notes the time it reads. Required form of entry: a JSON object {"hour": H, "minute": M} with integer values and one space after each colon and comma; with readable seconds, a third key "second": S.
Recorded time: {"hour": 10, "minute": 56}
